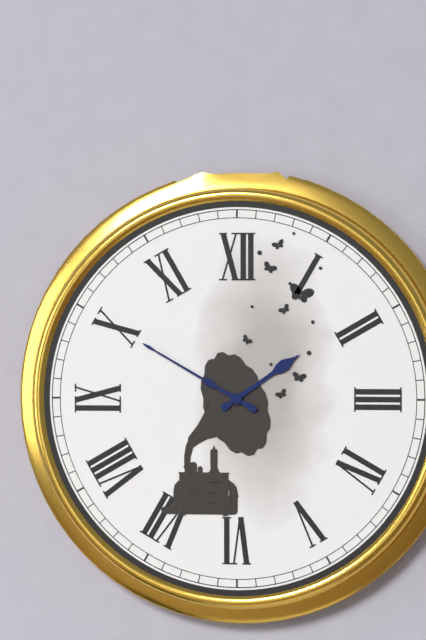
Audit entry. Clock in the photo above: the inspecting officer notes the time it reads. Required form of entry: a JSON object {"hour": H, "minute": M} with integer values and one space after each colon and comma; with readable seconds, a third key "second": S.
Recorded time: {"hour": 1, "minute": 50}
